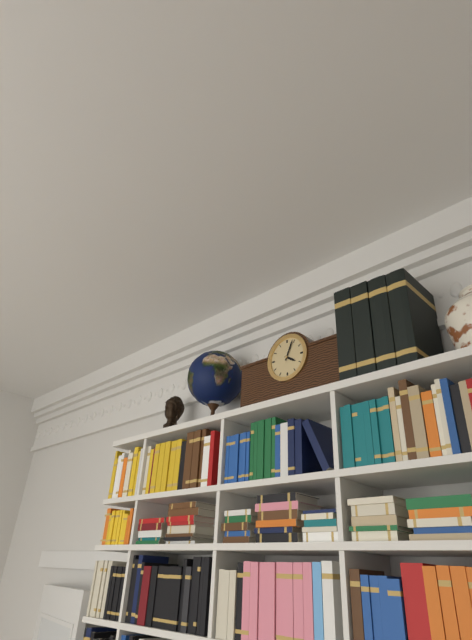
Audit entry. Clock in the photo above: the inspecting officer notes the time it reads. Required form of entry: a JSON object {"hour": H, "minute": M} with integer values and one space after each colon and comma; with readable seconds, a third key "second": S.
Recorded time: {"hour": 4, "minute": 4}
